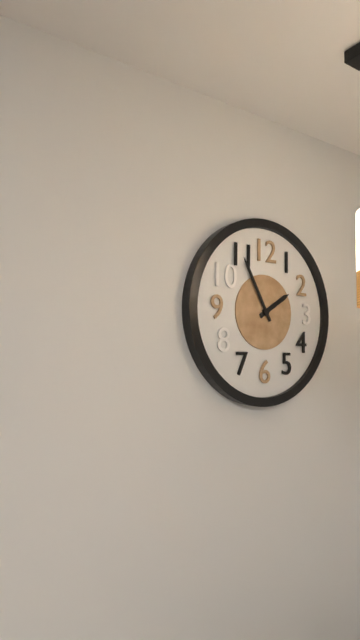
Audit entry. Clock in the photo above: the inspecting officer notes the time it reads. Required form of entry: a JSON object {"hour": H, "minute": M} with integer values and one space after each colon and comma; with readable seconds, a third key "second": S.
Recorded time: {"hour": 1, "minute": 55}
